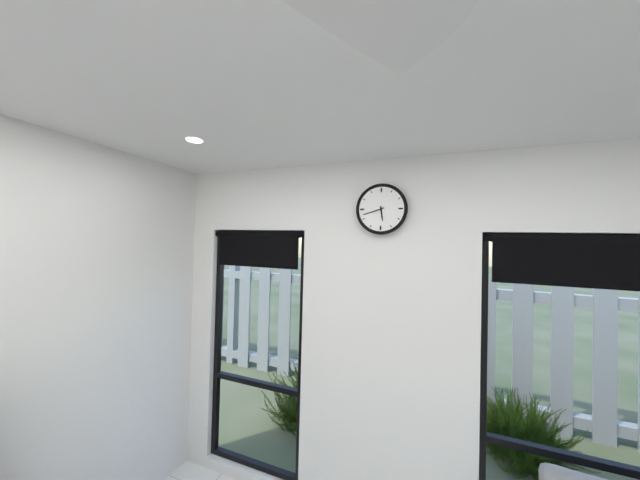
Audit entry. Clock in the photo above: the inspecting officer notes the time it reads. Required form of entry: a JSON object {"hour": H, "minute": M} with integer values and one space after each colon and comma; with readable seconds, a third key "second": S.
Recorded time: {"hour": 5, "minute": 42}
